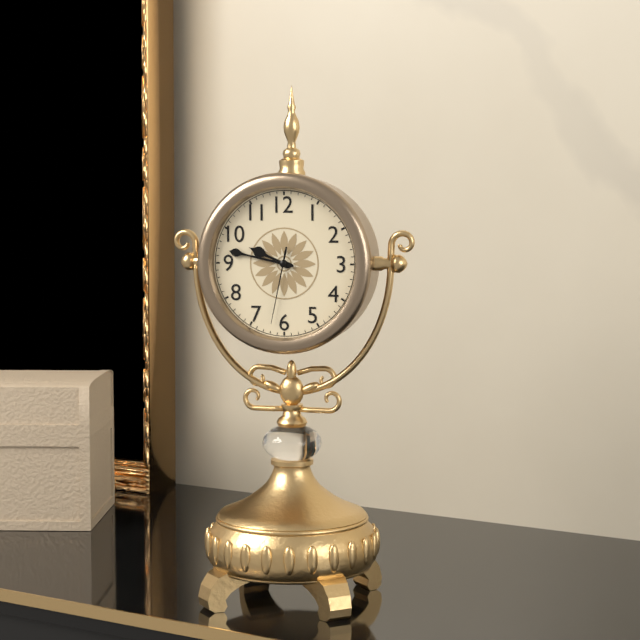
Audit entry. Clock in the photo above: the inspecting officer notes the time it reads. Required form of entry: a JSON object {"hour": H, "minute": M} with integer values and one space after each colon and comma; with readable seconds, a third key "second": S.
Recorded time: {"hour": 9, "minute": 47, "second": 32}
